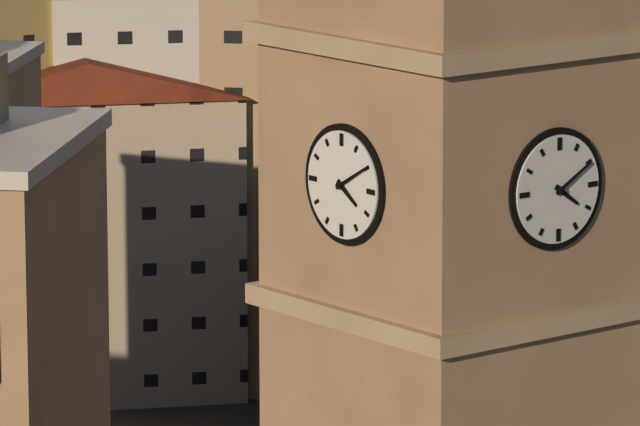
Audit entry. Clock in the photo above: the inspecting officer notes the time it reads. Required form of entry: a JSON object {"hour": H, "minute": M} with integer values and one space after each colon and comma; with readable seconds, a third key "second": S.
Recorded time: {"hour": 4, "minute": 10}
